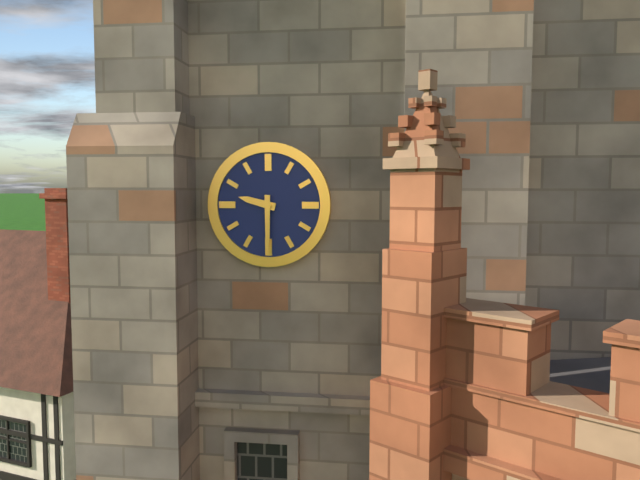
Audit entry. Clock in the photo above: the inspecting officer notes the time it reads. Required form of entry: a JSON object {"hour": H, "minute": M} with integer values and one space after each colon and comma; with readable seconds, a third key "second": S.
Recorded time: {"hour": 9, "minute": 30}
